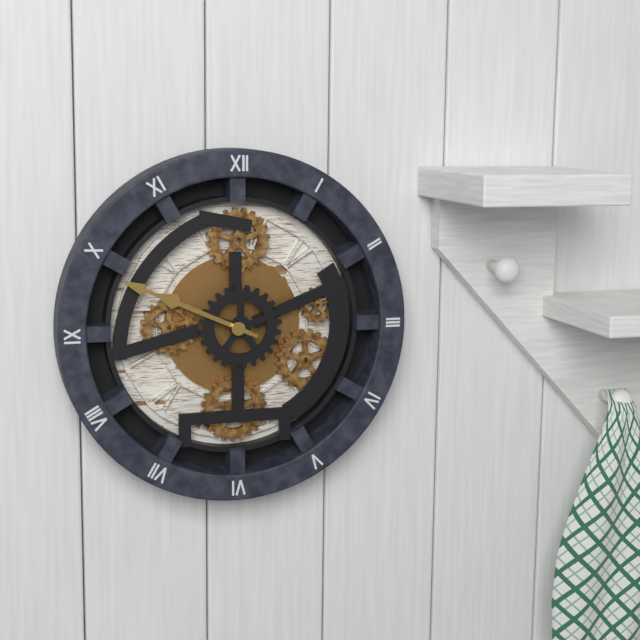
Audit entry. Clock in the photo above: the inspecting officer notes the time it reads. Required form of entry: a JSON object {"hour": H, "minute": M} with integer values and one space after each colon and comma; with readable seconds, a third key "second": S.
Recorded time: {"hour": 9, "minute": 49}
